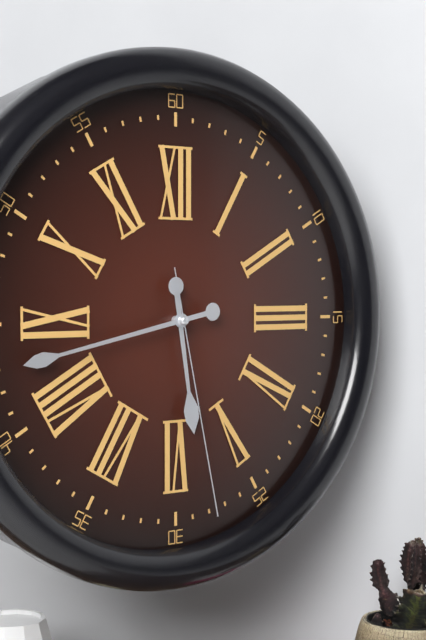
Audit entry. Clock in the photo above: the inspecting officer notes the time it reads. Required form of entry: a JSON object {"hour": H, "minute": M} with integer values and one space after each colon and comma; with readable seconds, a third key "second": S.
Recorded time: {"hour": 5, "minute": 43, "second": 28}
